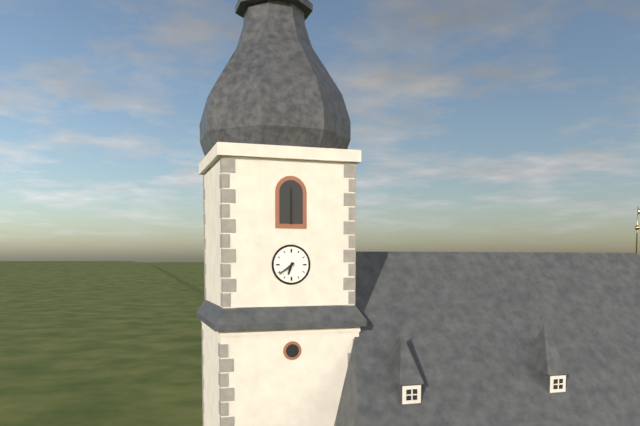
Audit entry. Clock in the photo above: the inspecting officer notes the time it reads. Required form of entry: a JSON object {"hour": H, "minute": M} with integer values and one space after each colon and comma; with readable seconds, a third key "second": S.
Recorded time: {"hour": 6, "minute": 39}
